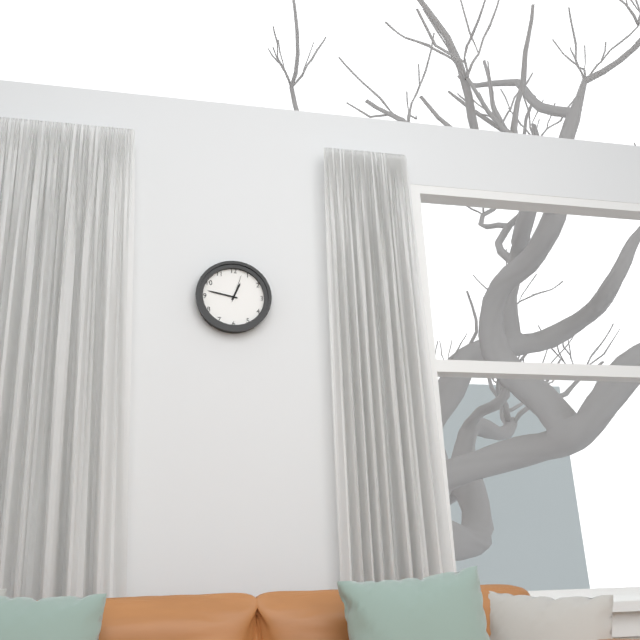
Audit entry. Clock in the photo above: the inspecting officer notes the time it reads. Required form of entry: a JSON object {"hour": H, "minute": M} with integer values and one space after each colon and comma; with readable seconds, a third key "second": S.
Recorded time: {"hour": 12, "minute": 47}
